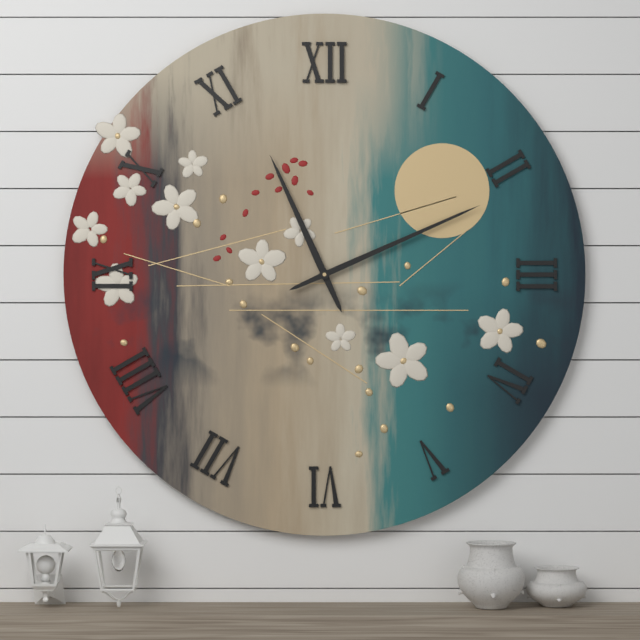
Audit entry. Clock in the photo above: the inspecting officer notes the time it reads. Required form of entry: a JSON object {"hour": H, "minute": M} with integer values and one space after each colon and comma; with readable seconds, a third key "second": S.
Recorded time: {"hour": 11, "minute": 11}
